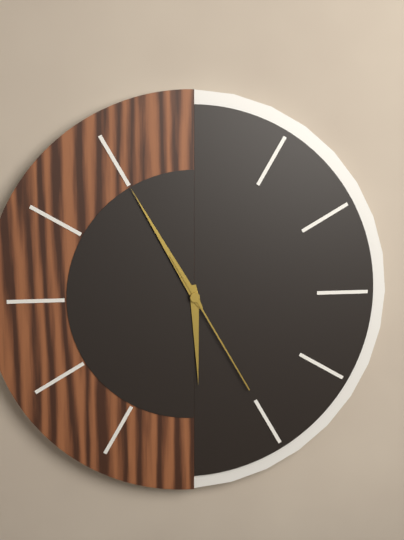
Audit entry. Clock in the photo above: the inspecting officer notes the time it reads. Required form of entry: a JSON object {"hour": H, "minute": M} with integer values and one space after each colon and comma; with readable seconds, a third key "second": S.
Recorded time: {"hour": 5, "minute": 55, "second": 25}
